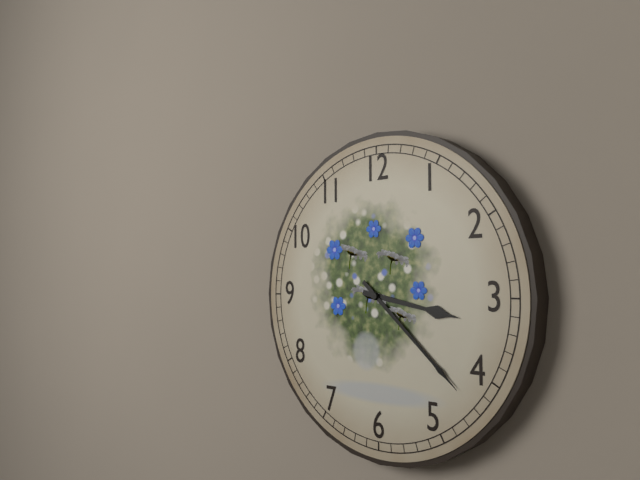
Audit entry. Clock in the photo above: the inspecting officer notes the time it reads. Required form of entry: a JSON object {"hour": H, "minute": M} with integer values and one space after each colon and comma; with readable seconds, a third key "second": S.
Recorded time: {"hour": 3, "minute": 22}
